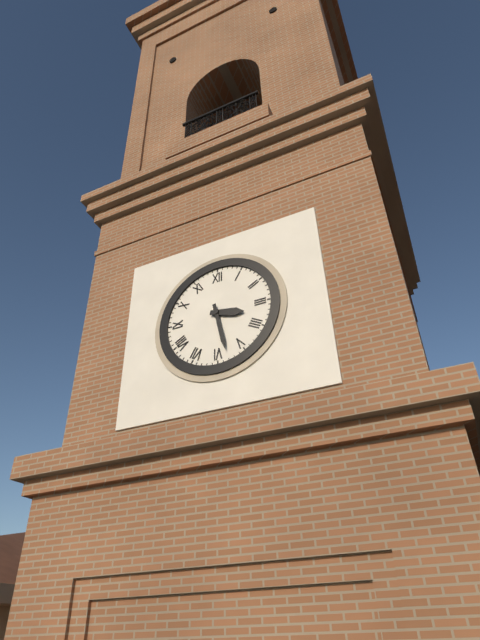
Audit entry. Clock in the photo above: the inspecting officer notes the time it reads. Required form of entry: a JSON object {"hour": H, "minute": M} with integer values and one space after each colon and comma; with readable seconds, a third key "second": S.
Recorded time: {"hour": 3, "minute": 28}
